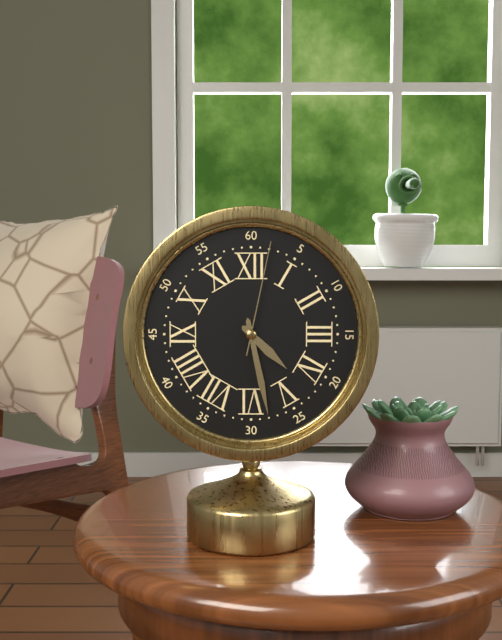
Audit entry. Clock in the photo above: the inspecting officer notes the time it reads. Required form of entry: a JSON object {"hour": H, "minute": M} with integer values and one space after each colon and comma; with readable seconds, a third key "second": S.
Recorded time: {"hour": 4, "minute": 28, "second": 2}
